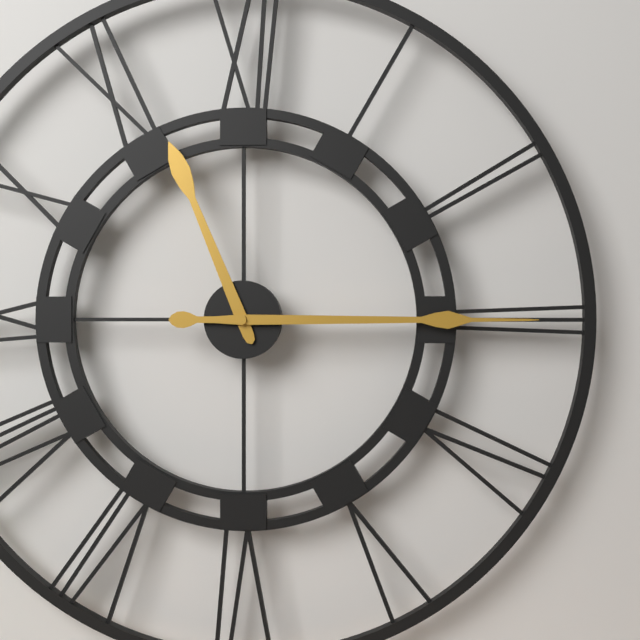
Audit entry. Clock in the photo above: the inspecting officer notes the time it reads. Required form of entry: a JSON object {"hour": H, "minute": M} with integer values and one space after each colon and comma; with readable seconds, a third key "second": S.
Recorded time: {"hour": 11, "minute": 15}
